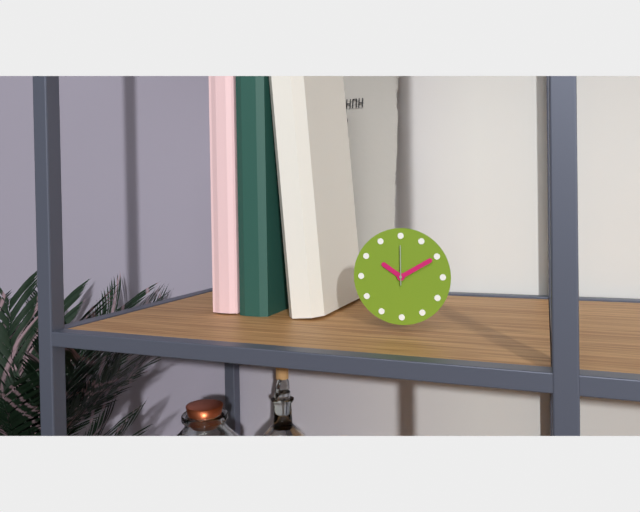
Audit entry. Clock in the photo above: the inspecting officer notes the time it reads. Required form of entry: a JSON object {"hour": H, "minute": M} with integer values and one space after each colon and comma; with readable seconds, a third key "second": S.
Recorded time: {"hour": 10, "minute": 10}
